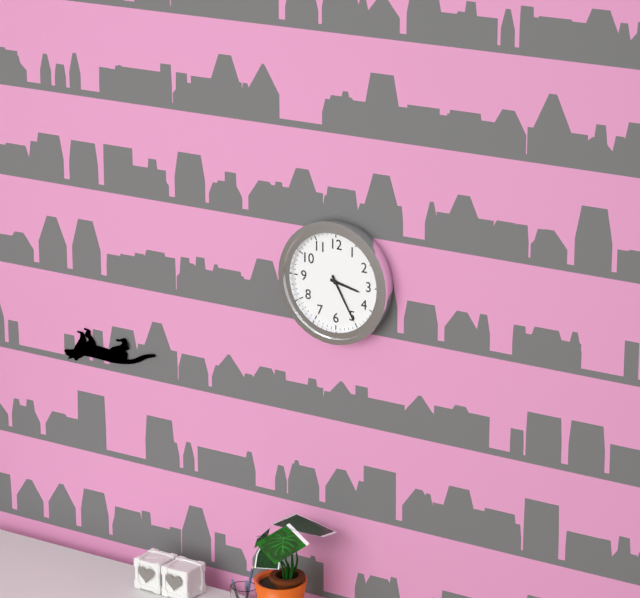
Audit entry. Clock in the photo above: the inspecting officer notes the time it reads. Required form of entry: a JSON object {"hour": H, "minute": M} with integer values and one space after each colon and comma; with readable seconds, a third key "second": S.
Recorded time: {"hour": 3, "minute": 25}
